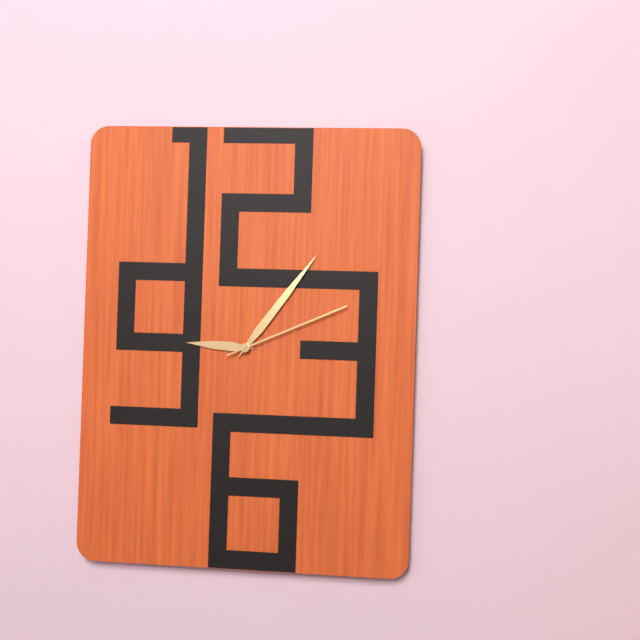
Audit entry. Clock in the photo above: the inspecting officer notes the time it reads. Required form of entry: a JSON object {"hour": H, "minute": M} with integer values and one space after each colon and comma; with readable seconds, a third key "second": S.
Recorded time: {"hour": 9, "minute": 6, "second": 11}
